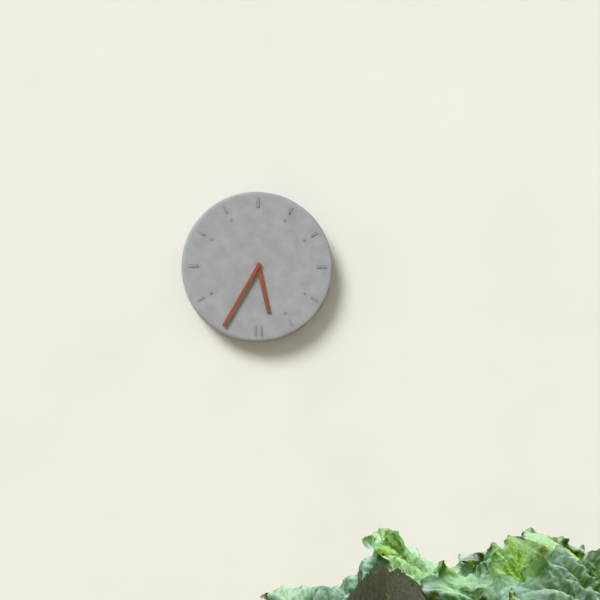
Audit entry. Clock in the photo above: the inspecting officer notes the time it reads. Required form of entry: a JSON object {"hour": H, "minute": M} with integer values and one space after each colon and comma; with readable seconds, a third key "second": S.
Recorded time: {"hour": 5, "minute": 35}
